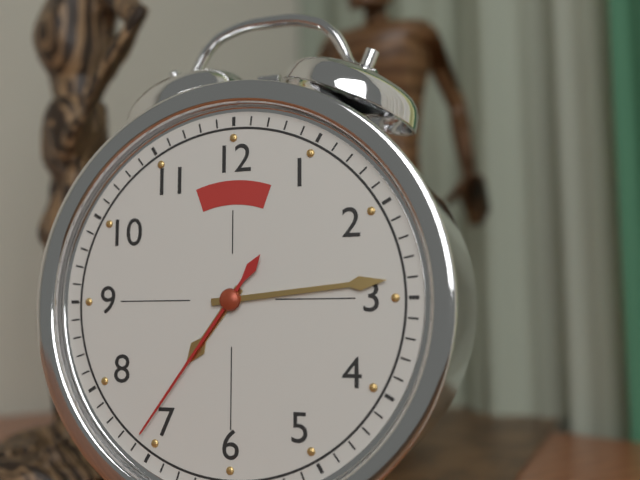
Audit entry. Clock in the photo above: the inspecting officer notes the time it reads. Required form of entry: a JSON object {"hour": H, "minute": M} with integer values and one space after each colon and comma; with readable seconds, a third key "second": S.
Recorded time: {"hour": 7, "minute": 14, "second": 36}
